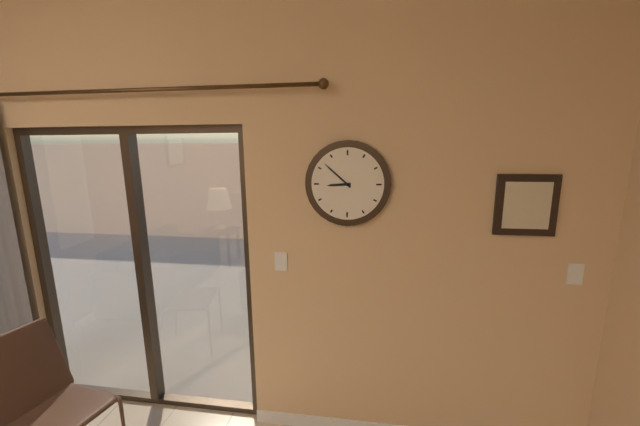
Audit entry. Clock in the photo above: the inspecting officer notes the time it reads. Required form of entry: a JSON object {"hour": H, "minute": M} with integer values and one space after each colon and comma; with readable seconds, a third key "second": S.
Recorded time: {"hour": 8, "minute": 52}
